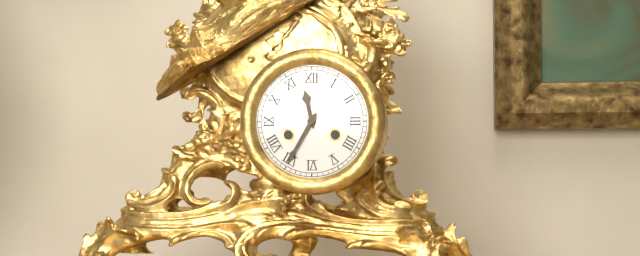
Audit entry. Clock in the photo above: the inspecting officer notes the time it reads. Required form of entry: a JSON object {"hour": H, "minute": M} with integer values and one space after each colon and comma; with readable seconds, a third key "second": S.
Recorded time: {"hour": 11, "minute": 35}
